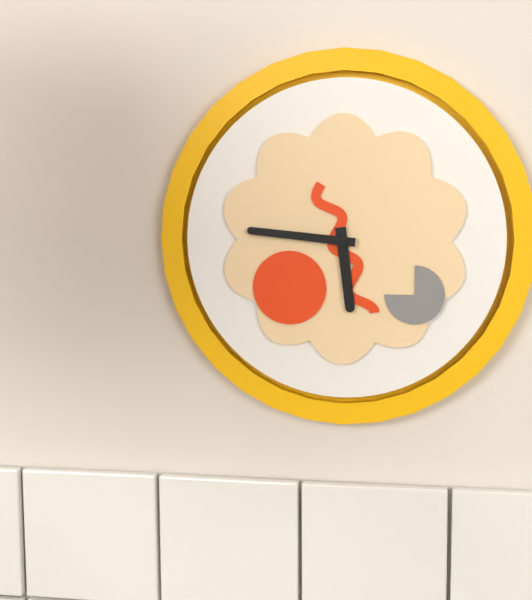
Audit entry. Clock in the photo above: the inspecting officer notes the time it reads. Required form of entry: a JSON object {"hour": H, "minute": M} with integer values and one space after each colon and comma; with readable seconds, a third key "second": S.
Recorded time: {"hour": 5, "minute": 46}
